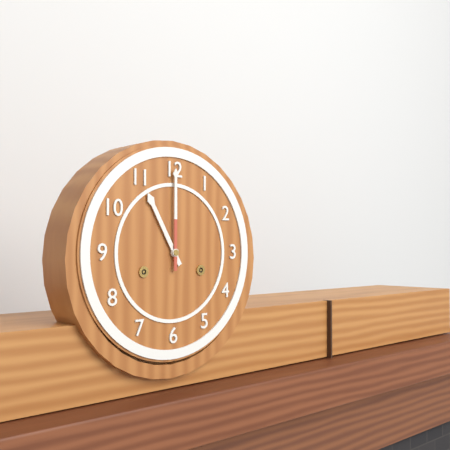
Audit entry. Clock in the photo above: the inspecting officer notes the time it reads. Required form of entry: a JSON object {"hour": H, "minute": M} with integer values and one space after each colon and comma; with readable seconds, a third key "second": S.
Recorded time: {"hour": 11, "minute": 0}
